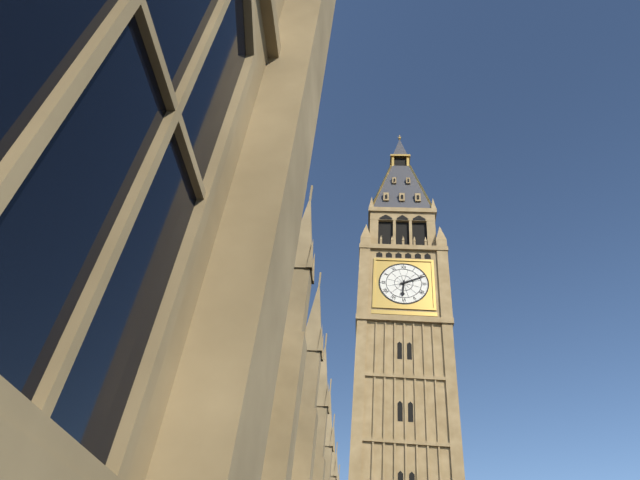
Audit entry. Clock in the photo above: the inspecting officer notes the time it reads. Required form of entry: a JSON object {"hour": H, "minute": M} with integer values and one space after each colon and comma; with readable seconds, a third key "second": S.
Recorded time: {"hour": 6, "minute": 11}
